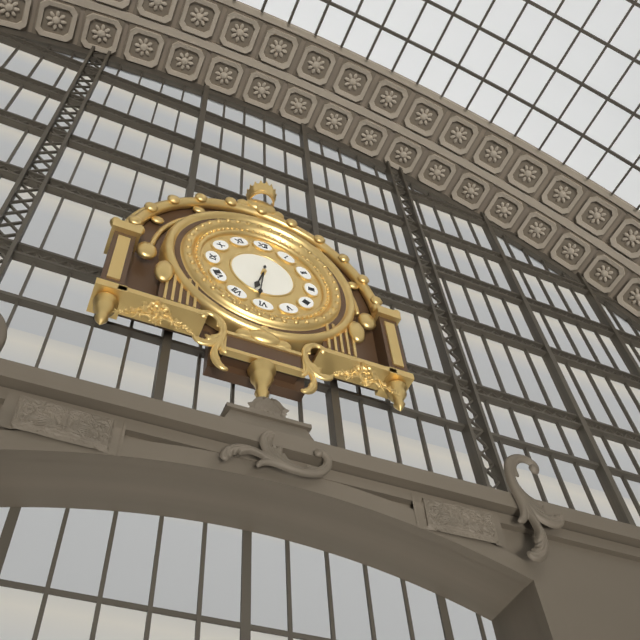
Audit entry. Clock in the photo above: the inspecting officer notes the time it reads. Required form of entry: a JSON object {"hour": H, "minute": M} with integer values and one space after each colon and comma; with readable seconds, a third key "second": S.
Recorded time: {"hour": 6, "minute": 31}
